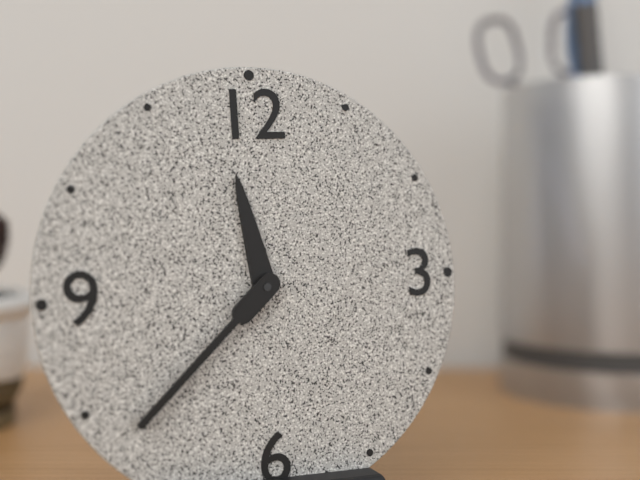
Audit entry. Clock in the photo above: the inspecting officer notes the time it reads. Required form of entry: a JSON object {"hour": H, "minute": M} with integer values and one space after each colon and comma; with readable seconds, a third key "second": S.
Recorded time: {"hour": 11, "minute": 38}
